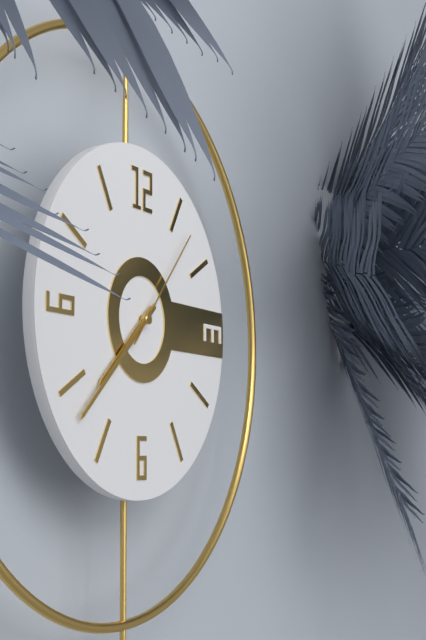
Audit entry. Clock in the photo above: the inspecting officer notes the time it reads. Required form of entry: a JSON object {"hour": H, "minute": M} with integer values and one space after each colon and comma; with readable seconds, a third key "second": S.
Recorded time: {"hour": 7, "minute": 38, "second": 7}
